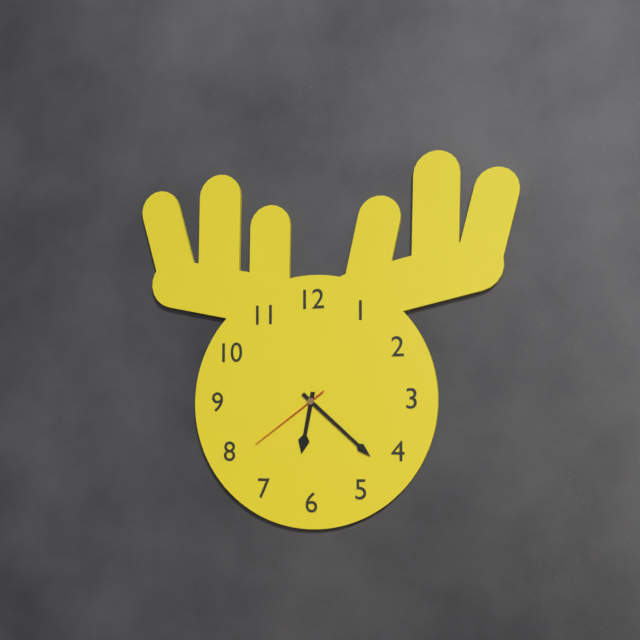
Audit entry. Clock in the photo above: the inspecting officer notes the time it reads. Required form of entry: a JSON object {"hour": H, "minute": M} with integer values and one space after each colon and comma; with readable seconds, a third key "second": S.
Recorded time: {"hour": 6, "minute": 22, "second": 39}
